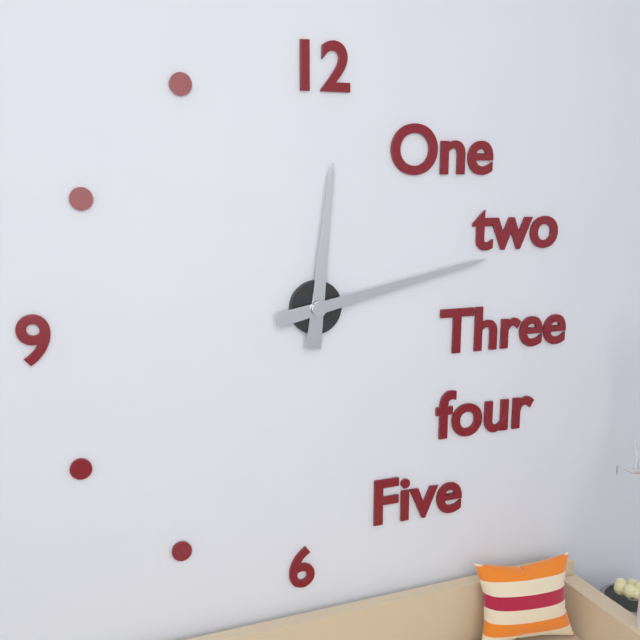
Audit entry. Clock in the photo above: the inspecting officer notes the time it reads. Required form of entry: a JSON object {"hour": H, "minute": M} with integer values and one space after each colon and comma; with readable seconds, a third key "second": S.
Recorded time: {"hour": 12, "minute": 13}
